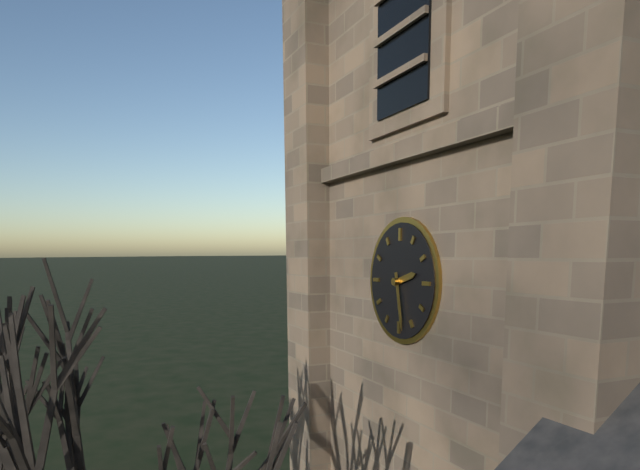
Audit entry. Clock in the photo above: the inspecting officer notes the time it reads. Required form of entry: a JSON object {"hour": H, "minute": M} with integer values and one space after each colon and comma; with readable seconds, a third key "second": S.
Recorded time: {"hour": 2, "minute": 28}
